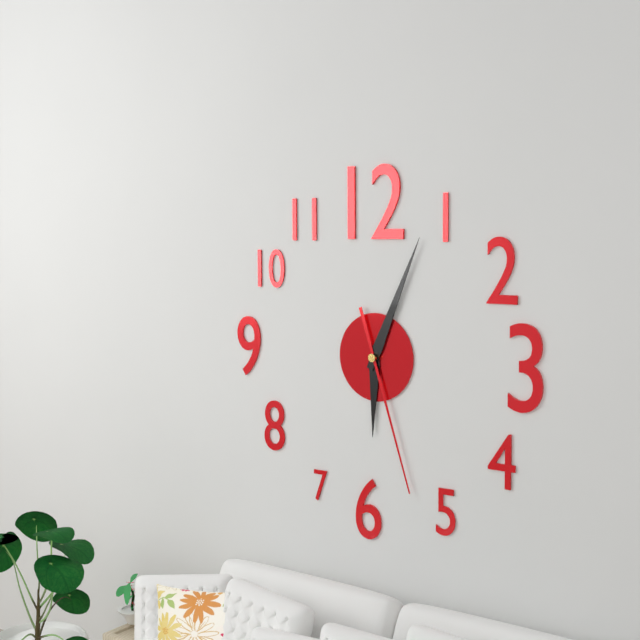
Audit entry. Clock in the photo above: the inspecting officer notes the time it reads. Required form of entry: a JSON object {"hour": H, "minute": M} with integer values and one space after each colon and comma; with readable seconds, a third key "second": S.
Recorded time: {"hour": 6, "minute": 4, "second": 27}
